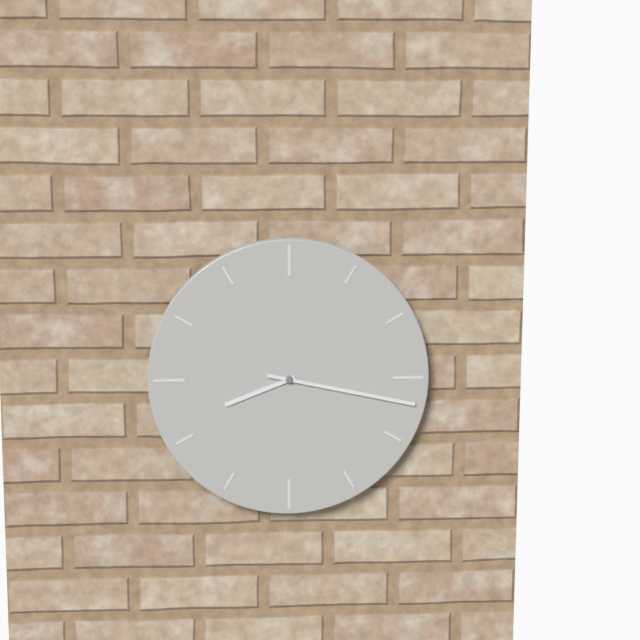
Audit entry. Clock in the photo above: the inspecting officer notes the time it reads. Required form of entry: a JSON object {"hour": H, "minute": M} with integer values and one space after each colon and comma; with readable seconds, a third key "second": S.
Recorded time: {"hour": 8, "minute": 17}
